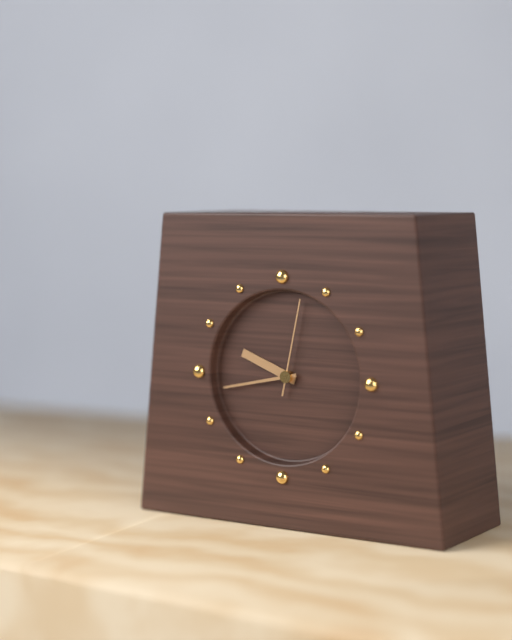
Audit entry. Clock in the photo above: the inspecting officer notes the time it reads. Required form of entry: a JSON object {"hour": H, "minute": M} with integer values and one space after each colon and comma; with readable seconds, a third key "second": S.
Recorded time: {"hour": 9, "minute": 43, "second": 2}
